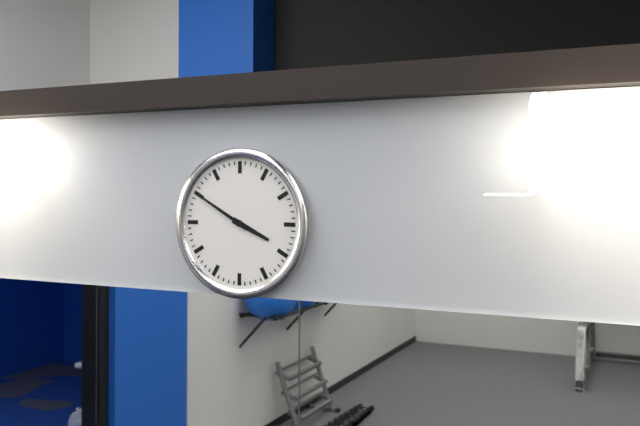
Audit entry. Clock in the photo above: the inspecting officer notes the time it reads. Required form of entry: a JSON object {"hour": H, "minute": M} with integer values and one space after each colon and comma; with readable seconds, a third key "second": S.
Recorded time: {"hour": 3, "minute": 50}
